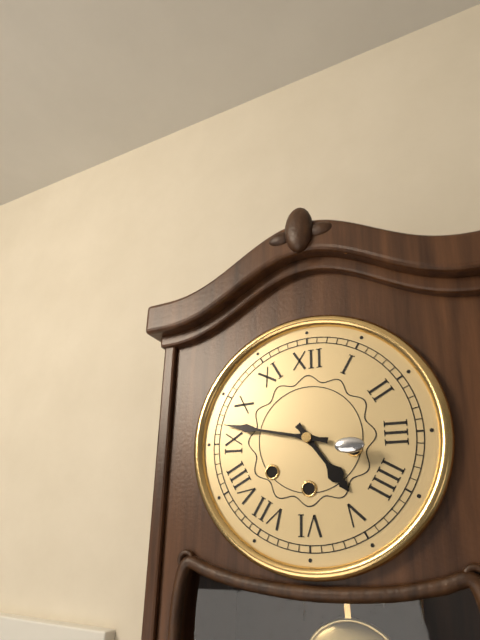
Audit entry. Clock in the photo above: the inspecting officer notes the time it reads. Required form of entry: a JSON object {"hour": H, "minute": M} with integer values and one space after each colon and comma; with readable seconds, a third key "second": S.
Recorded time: {"hour": 4, "minute": 47}
